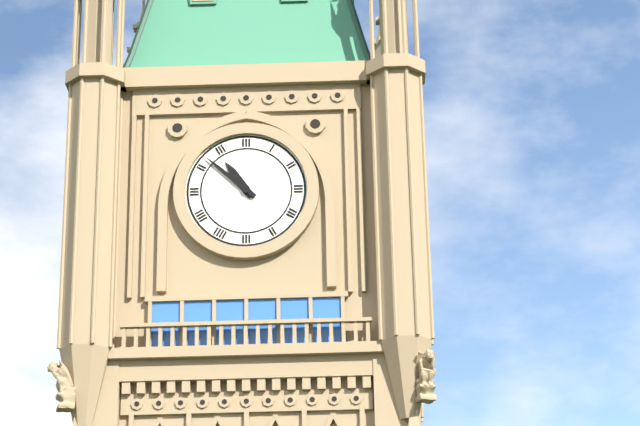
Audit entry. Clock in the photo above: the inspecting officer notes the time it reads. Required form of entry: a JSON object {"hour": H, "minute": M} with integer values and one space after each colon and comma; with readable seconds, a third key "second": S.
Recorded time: {"hour": 10, "minute": 52}
